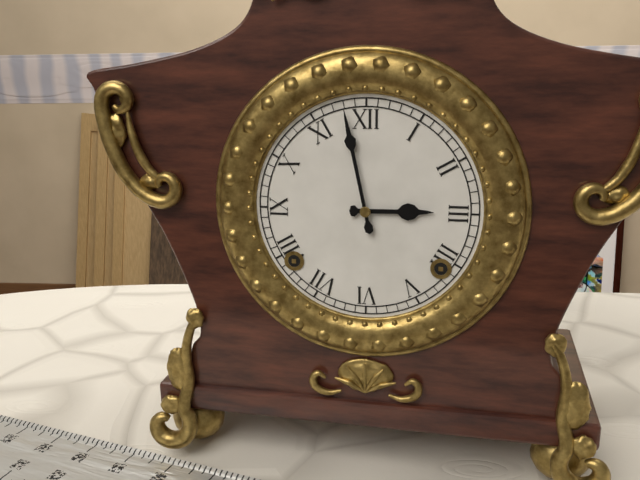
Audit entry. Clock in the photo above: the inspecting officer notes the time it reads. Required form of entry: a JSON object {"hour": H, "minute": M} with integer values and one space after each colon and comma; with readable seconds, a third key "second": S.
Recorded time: {"hour": 2, "minute": 58}
